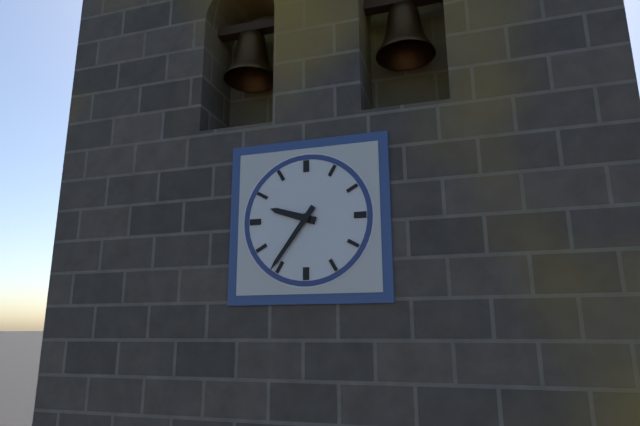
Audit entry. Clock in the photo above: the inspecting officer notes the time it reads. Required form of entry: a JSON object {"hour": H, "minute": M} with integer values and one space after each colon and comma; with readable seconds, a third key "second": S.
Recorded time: {"hour": 9, "minute": 36}
